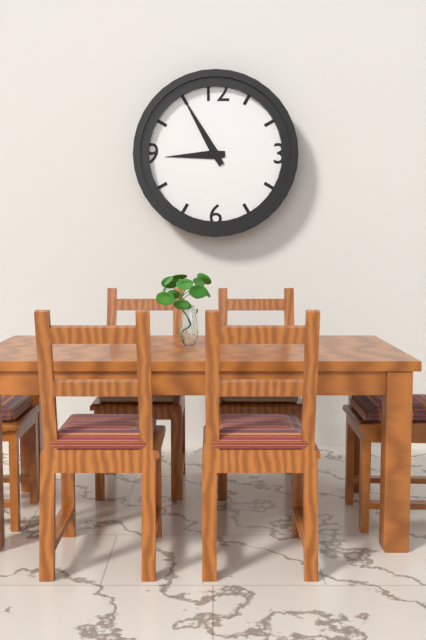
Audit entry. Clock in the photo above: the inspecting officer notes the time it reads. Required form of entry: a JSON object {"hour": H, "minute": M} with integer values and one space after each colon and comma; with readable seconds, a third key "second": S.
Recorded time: {"hour": 8, "minute": 55}
